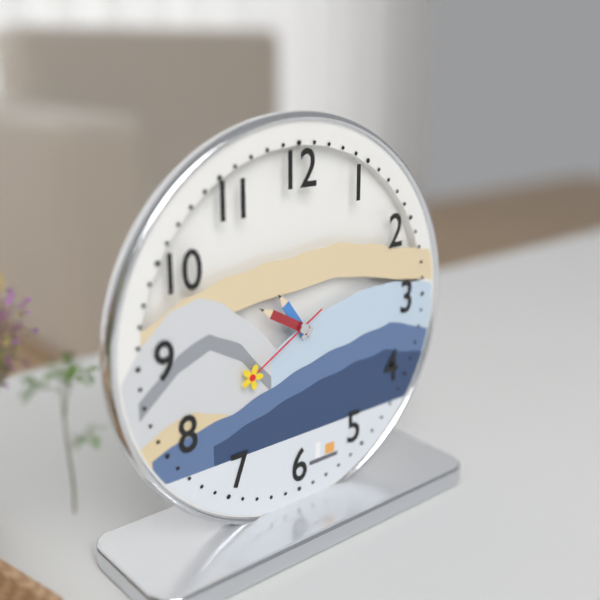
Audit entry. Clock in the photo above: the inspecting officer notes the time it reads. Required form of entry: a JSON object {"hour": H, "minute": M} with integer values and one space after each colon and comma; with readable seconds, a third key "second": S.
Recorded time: {"hour": 10, "minute": 50, "second": 40}
